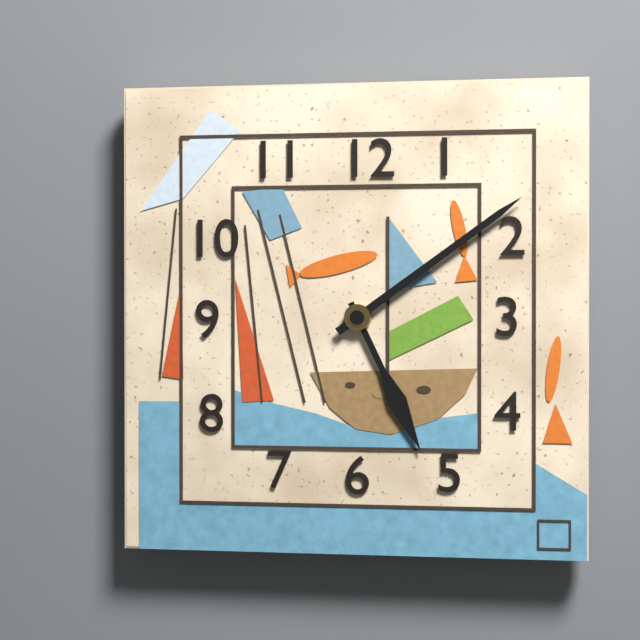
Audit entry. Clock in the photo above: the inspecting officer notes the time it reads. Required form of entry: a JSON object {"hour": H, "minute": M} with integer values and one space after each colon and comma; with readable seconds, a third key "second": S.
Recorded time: {"hour": 5, "minute": 9}
